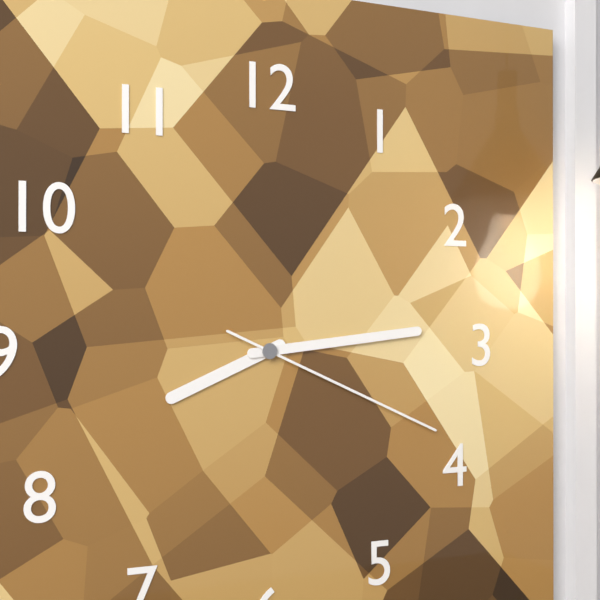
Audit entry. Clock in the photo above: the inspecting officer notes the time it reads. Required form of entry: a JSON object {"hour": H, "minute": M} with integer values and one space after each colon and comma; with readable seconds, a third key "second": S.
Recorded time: {"hour": 8, "minute": 14, "second": 19}
